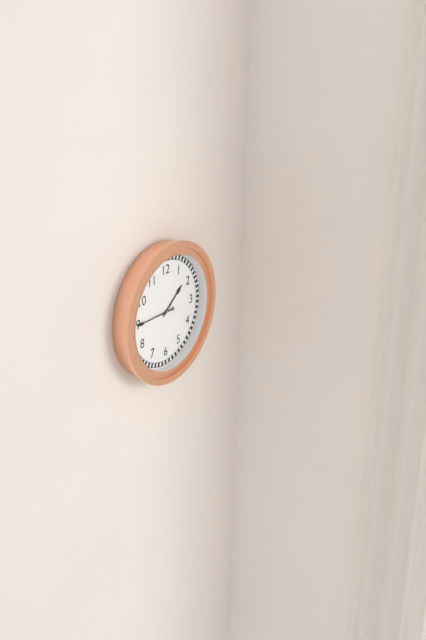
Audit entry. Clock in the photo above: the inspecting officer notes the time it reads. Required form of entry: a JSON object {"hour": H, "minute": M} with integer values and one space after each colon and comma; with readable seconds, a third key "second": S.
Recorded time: {"hour": 1, "minute": 45}
